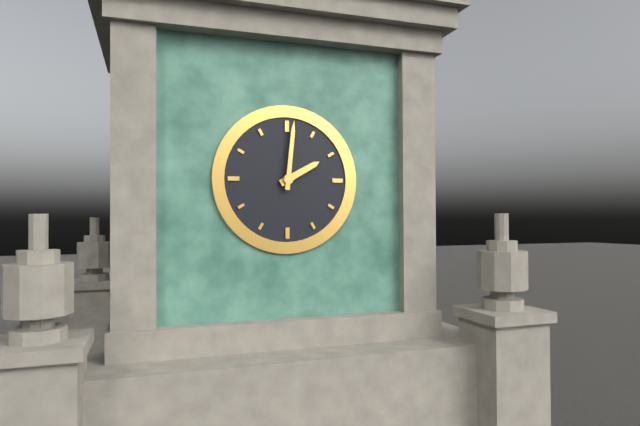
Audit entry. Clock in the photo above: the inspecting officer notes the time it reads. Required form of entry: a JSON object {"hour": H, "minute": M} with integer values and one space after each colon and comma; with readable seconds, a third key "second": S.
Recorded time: {"hour": 2, "minute": 1}
